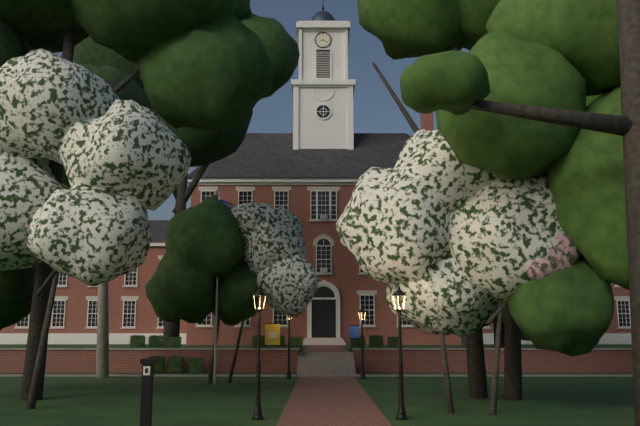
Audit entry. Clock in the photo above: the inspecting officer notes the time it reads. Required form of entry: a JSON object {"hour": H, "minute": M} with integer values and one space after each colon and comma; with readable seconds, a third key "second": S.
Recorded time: {"hour": 8, "minute": 20}
